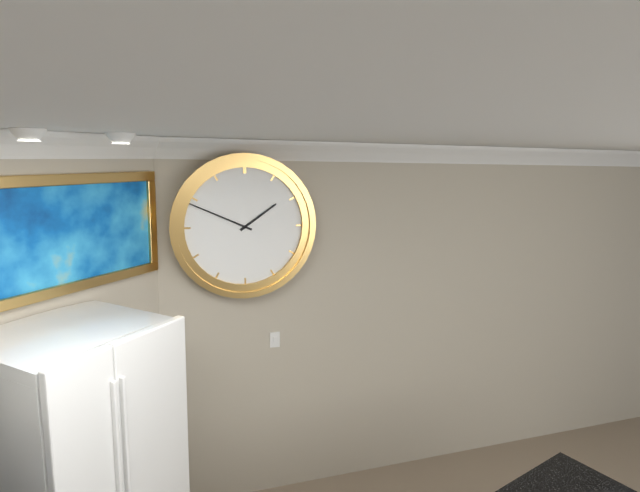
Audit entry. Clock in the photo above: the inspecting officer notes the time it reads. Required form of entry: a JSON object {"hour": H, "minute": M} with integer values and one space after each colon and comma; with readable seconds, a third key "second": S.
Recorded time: {"hour": 1, "minute": 49}
